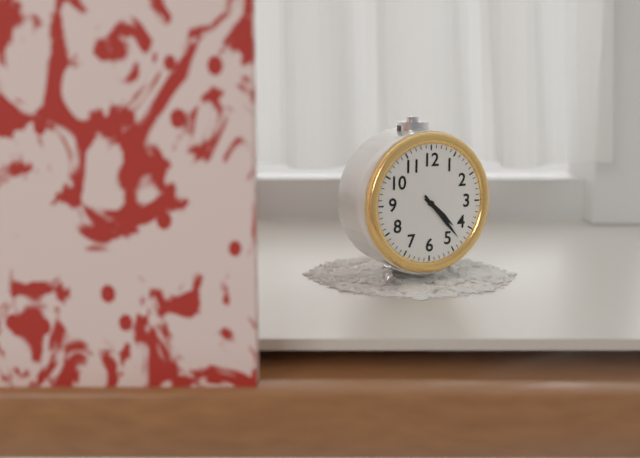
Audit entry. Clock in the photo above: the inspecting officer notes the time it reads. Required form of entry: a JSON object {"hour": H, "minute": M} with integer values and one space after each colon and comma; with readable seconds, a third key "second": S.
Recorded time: {"hour": 4, "minute": 23}
